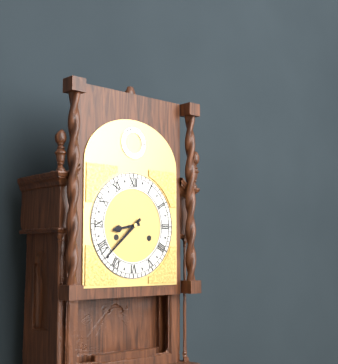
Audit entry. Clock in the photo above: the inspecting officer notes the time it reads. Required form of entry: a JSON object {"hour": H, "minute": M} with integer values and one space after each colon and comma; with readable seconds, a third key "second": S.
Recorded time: {"hour": 8, "minute": 38}
